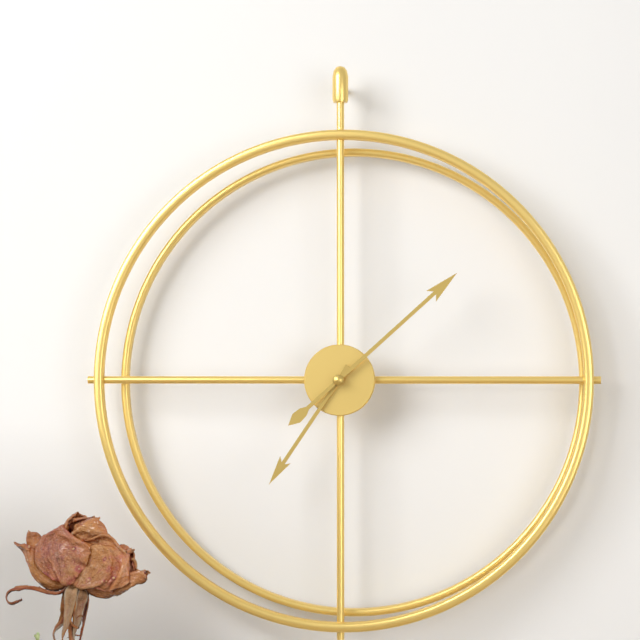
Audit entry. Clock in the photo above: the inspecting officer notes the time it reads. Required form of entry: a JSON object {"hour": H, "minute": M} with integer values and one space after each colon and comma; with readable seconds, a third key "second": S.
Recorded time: {"hour": 7, "minute": 8}
